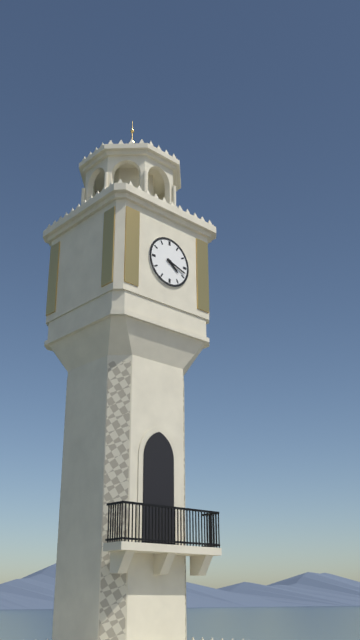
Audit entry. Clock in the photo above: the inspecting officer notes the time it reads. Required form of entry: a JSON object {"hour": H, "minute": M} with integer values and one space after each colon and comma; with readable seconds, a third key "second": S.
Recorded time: {"hour": 4, "minute": 18}
